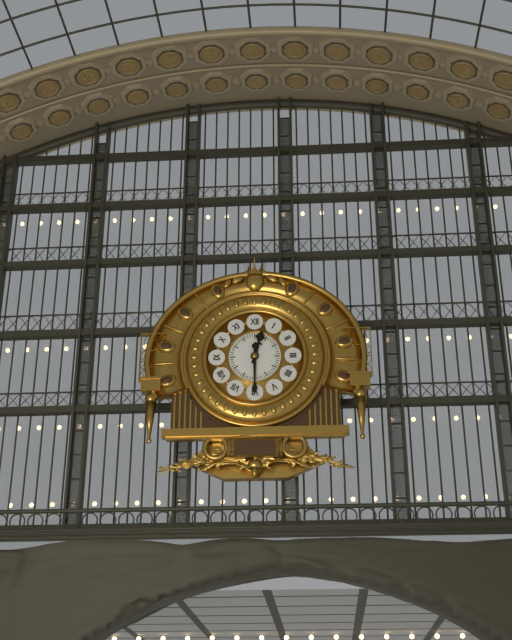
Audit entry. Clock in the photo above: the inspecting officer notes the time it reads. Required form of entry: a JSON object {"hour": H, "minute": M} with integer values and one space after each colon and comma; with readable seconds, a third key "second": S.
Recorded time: {"hour": 12, "minute": 30}
